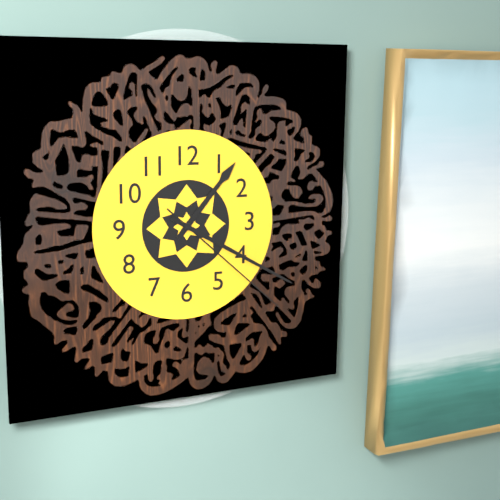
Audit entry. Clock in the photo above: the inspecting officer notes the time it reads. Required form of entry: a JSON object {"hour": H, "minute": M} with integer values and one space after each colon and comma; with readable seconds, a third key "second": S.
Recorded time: {"hour": 1, "minute": 20, "second": 22}
